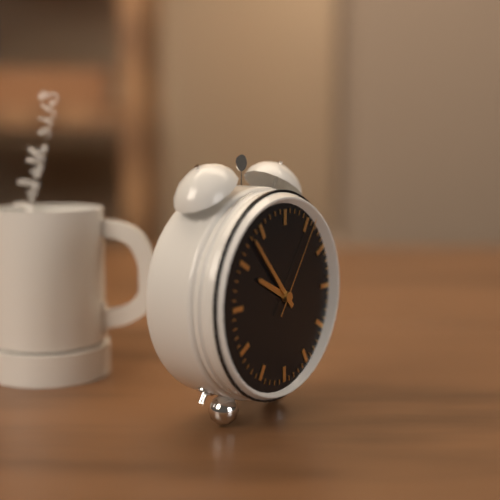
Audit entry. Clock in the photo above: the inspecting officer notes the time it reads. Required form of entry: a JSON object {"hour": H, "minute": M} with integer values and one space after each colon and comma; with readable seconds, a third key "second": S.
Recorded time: {"hour": 9, "minute": 53, "second": 6}
